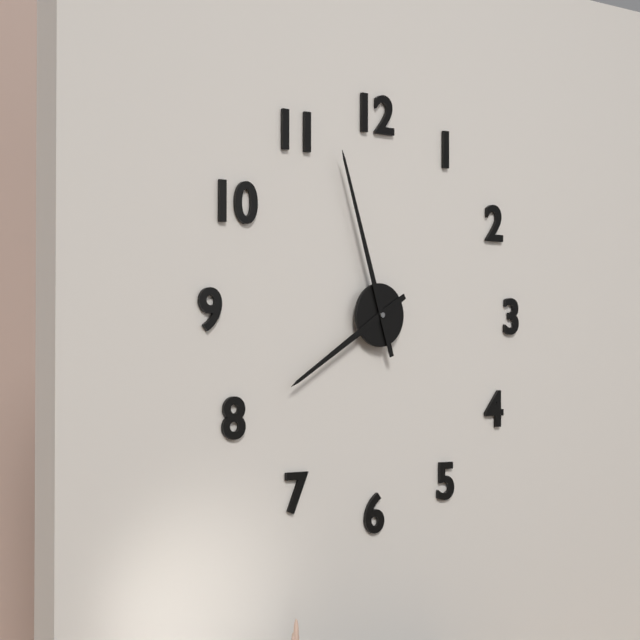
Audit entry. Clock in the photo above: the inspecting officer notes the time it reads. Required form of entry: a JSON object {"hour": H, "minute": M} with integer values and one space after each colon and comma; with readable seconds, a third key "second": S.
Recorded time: {"hour": 7, "minute": 57}
